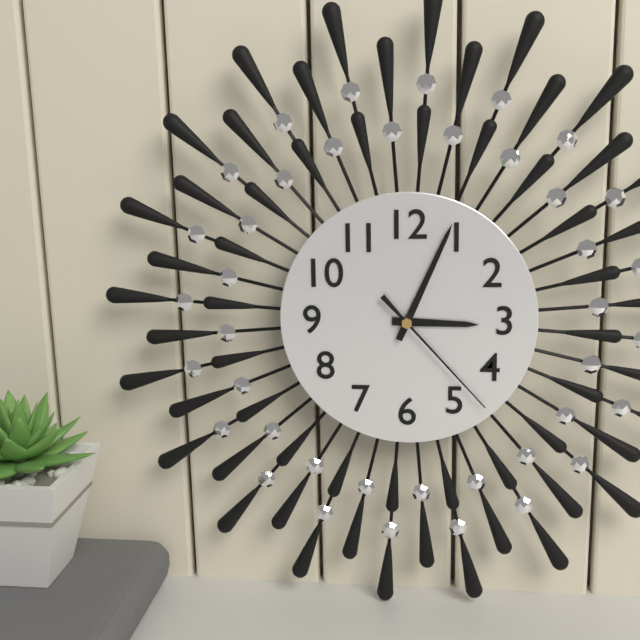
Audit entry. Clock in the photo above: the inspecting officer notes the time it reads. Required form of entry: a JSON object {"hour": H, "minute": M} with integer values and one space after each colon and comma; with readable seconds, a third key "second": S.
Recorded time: {"hour": 3, "minute": 4, "second": 23}
